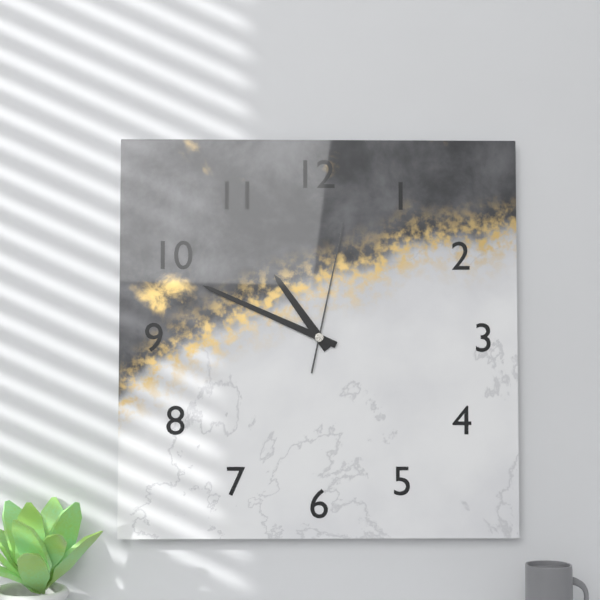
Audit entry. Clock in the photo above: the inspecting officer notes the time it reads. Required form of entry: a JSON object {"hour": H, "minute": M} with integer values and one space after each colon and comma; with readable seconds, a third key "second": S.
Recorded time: {"hour": 10, "minute": 49, "second": 2}
